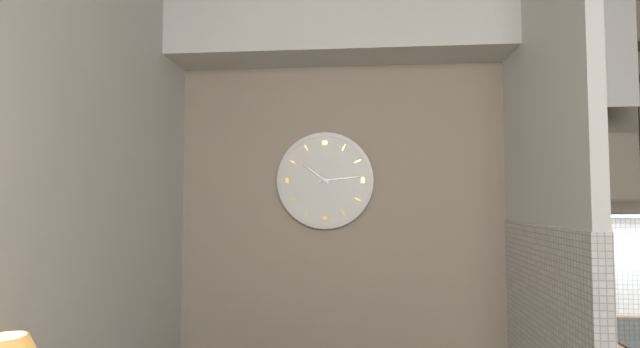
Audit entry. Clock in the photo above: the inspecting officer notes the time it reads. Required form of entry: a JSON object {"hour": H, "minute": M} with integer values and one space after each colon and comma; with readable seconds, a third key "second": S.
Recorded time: {"hour": 10, "minute": 14}
